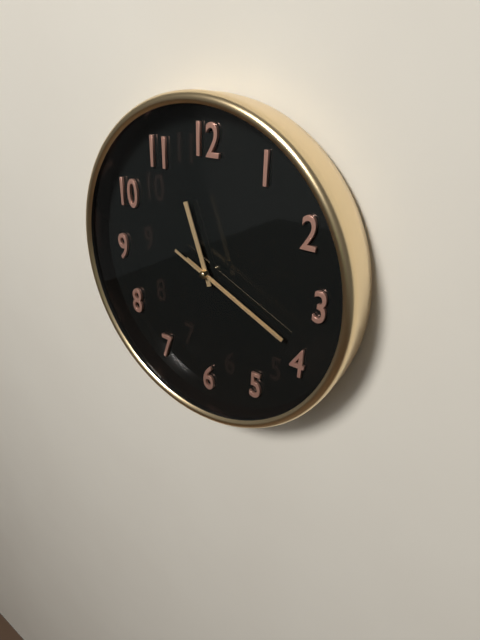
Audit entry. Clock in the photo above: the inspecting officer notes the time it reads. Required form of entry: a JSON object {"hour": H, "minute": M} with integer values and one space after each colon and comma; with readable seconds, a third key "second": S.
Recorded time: {"hour": 11, "minute": 19, "second": 19}
